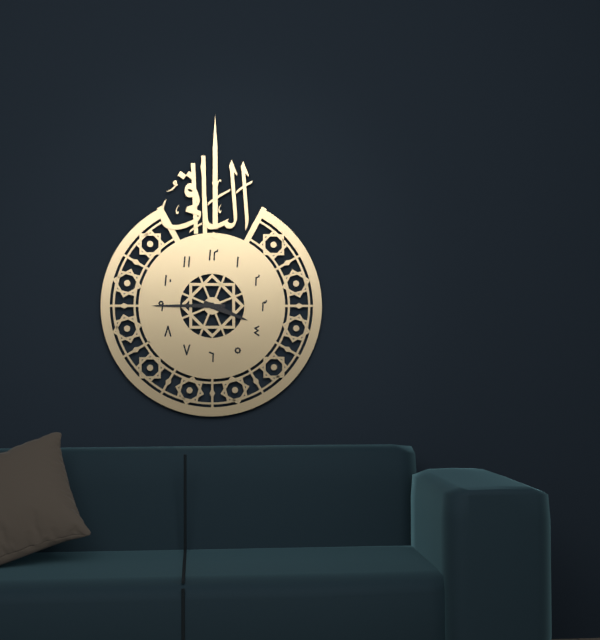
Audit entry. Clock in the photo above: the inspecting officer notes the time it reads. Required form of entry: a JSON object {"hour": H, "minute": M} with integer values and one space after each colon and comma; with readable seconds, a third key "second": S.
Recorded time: {"hour": 3, "minute": 45}
